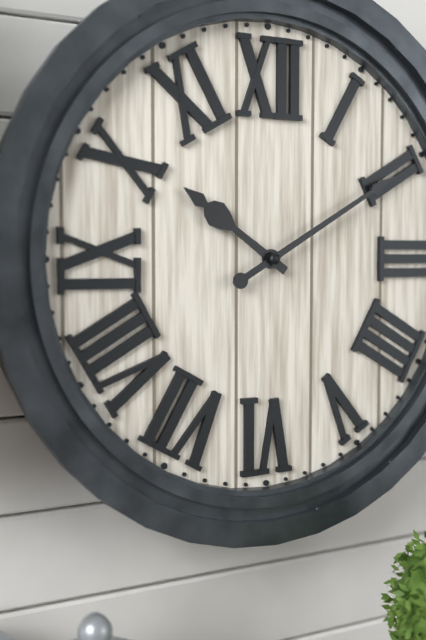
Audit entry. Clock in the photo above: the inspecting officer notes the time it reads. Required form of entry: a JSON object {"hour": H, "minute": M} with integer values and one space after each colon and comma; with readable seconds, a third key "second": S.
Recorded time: {"hour": 10, "minute": 10}
